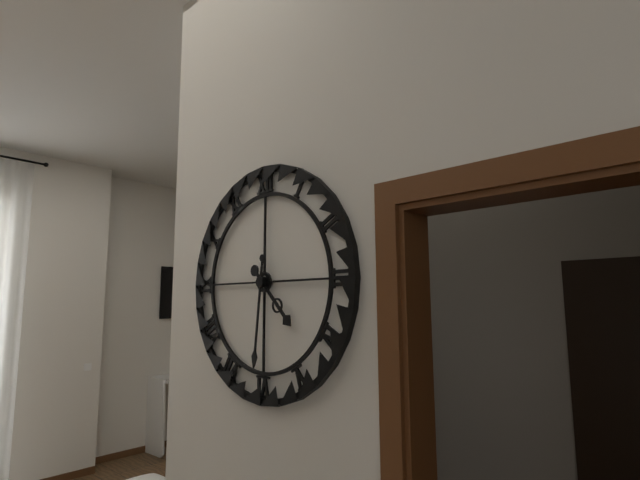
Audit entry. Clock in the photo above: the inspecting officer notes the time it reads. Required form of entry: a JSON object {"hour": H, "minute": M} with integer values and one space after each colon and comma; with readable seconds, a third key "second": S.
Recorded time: {"hour": 4, "minute": 31}
